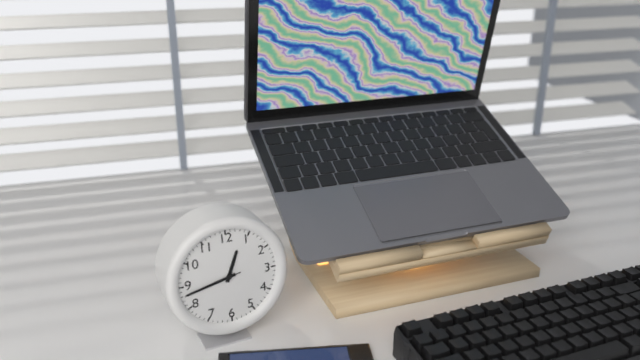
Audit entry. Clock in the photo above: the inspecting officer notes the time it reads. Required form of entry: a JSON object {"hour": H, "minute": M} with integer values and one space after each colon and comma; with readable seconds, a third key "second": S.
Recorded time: {"hour": 12, "minute": 43, "second": 43}
